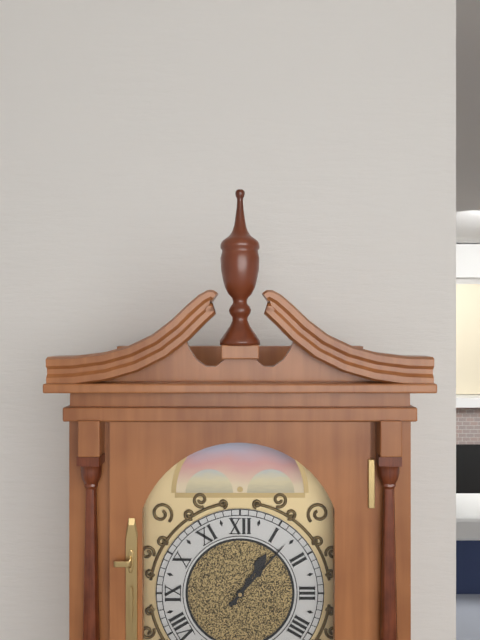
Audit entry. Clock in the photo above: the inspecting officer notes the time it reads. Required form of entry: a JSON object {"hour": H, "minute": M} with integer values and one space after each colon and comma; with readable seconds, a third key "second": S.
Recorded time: {"hour": 1, "minute": 7}
